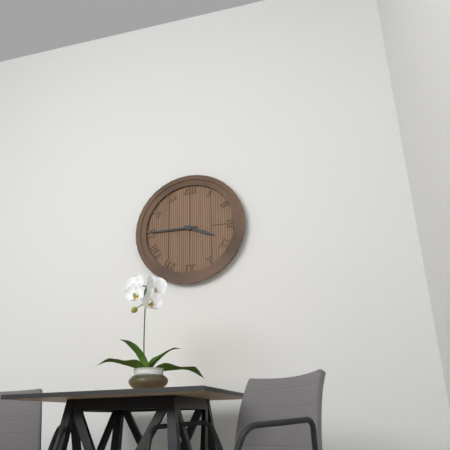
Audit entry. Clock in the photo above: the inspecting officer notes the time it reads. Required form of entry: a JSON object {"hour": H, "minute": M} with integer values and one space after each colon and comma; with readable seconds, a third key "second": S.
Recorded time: {"hour": 3, "minute": 45}
